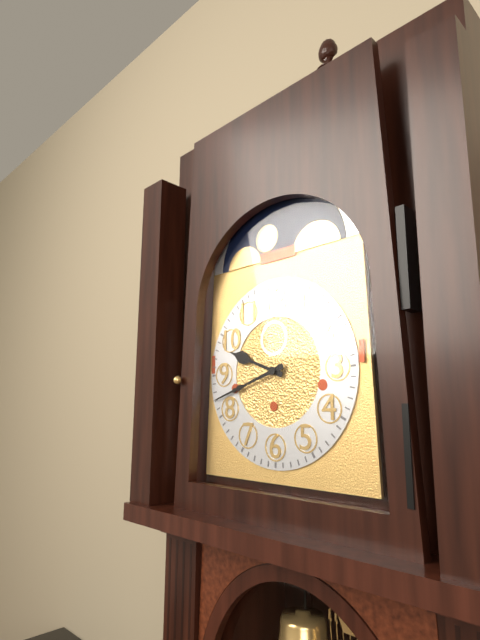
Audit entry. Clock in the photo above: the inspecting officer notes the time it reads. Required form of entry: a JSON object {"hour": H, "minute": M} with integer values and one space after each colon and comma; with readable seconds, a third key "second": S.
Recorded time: {"hour": 9, "minute": 42}
